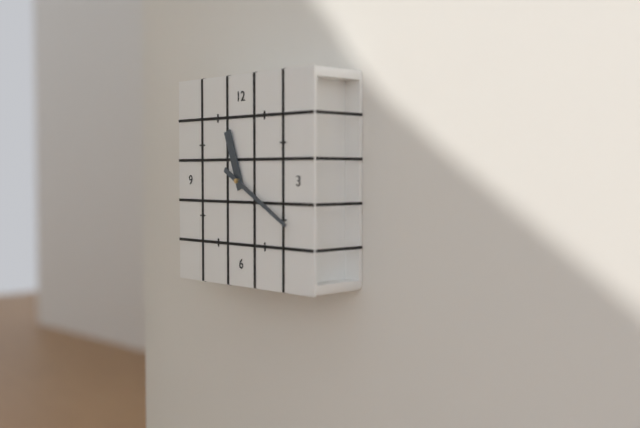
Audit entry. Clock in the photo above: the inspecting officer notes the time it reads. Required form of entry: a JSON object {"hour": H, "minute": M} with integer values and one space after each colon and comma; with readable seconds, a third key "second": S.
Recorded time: {"hour": 11, "minute": 20}
